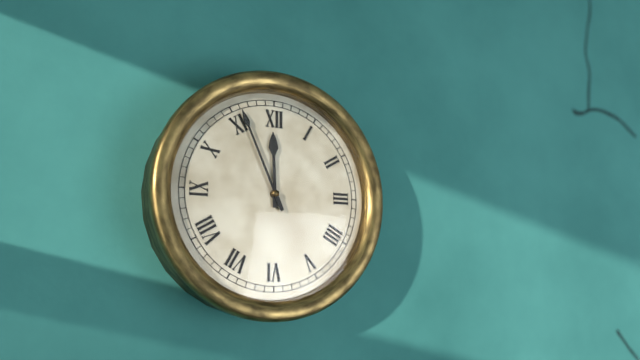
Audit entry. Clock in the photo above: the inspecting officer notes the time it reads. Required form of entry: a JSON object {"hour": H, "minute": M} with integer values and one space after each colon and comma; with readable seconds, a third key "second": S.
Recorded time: {"hour": 11, "minute": 56}
